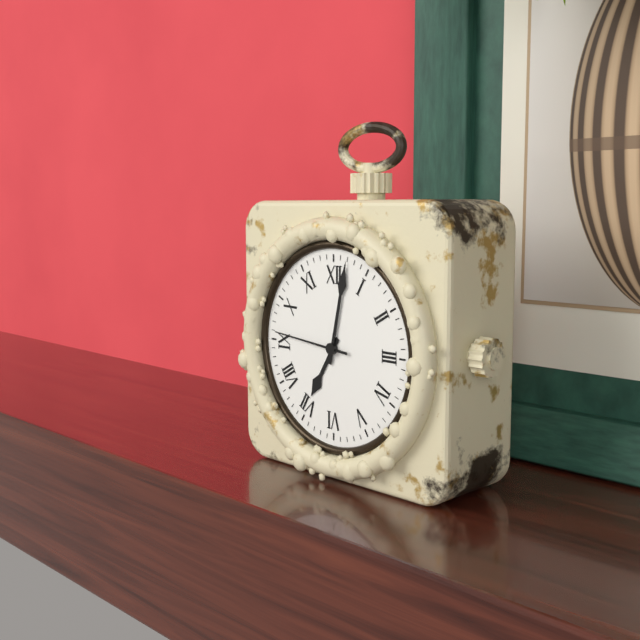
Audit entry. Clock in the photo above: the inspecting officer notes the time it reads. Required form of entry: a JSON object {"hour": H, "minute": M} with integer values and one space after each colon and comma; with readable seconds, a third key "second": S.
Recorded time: {"hour": 7, "minute": 2, "second": 46}
